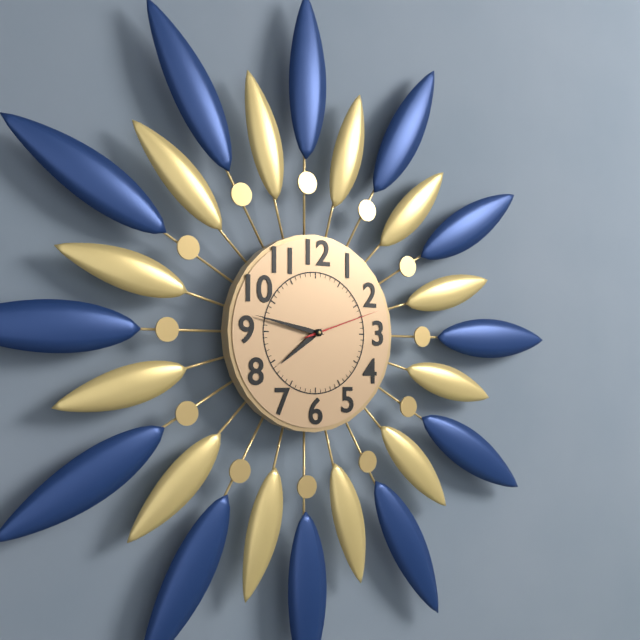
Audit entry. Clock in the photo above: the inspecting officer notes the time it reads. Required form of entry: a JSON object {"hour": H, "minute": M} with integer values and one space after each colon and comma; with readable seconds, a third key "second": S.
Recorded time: {"hour": 7, "minute": 47, "second": 12}
